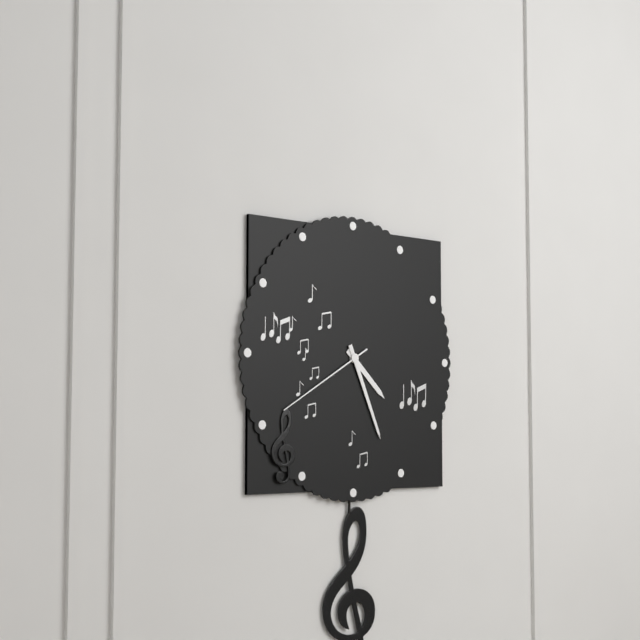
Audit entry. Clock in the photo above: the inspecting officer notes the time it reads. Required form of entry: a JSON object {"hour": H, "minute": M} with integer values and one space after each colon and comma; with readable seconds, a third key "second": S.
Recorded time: {"hour": 4, "minute": 26, "second": 40}
